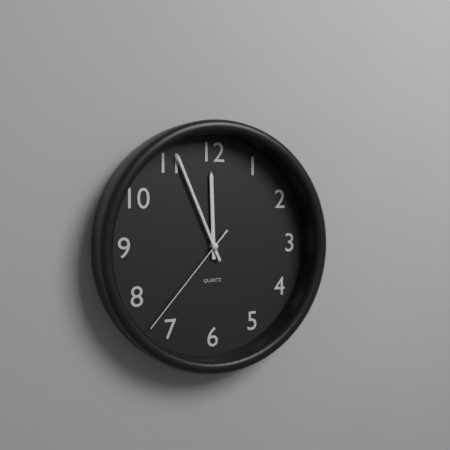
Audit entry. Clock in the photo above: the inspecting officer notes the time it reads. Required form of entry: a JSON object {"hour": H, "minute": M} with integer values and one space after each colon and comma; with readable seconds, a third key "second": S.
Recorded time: {"hour": 11, "minute": 56, "second": 37}
